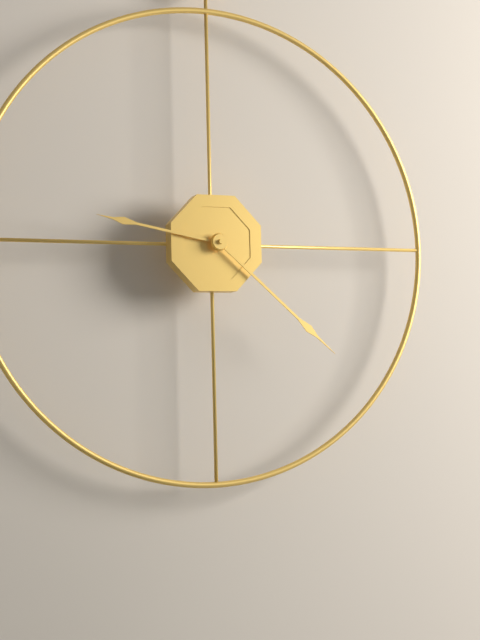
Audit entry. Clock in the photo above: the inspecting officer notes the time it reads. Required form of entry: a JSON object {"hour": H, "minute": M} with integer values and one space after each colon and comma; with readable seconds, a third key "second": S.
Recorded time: {"hour": 9, "minute": 22}
